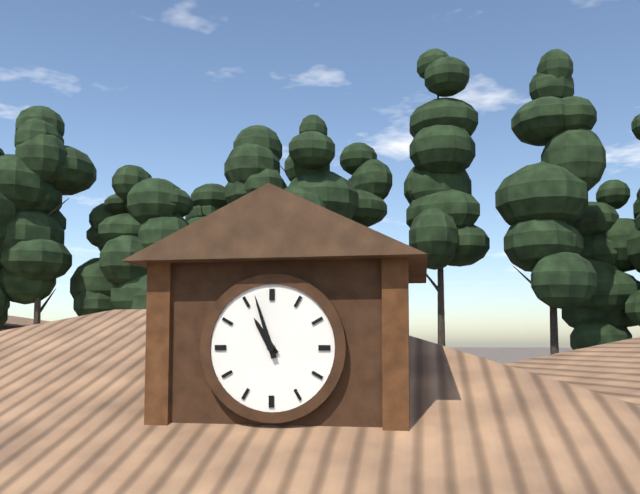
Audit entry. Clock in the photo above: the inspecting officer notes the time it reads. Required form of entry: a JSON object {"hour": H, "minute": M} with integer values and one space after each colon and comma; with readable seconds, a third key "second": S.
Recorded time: {"hour": 10, "minute": 57}
